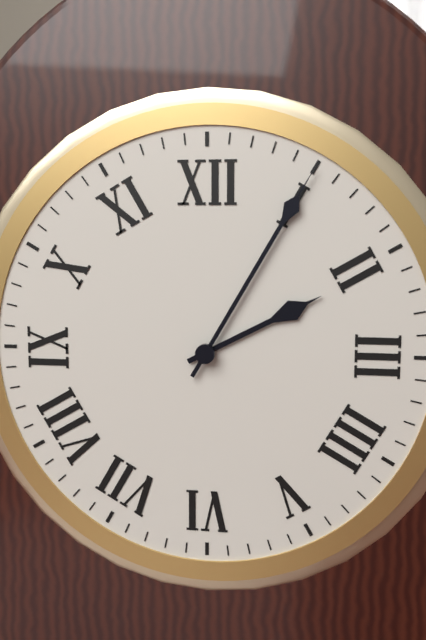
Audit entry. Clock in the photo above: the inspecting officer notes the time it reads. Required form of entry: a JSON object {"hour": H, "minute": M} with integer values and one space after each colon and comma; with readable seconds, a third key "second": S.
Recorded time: {"hour": 2, "minute": 5}
